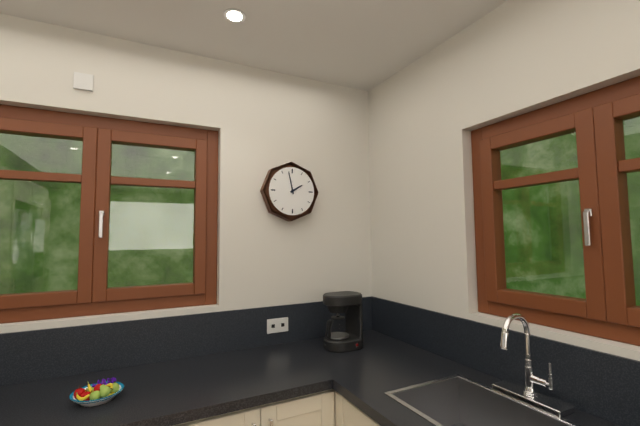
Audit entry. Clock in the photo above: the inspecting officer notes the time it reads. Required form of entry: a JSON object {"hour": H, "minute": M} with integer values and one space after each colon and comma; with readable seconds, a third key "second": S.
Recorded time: {"hour": 1, "minute": 58}
